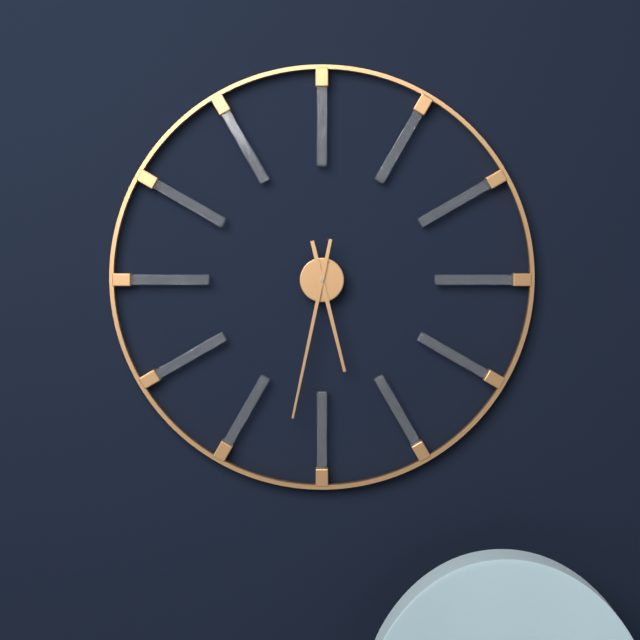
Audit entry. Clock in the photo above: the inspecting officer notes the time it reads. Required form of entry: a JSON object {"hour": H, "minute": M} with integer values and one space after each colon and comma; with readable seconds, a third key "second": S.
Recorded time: {"hour": 5, "minute": 32}
